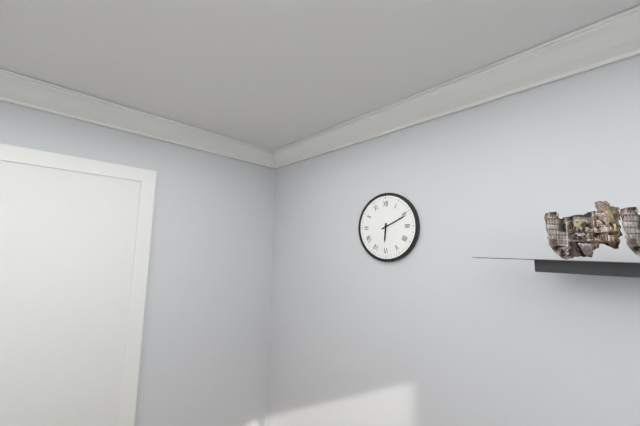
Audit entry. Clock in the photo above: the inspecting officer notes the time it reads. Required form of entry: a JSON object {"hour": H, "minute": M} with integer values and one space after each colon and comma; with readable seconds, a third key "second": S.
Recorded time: {"hour": 6, "minute": 11}
